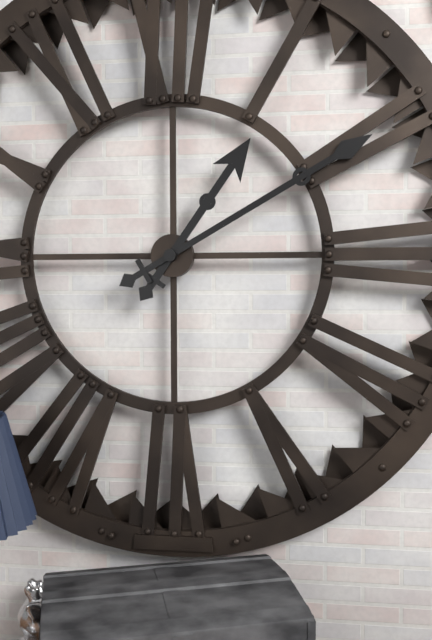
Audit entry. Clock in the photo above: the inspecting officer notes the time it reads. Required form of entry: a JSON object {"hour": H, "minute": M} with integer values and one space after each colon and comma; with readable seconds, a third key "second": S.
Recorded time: {"hour": 1, "minute": 10}
